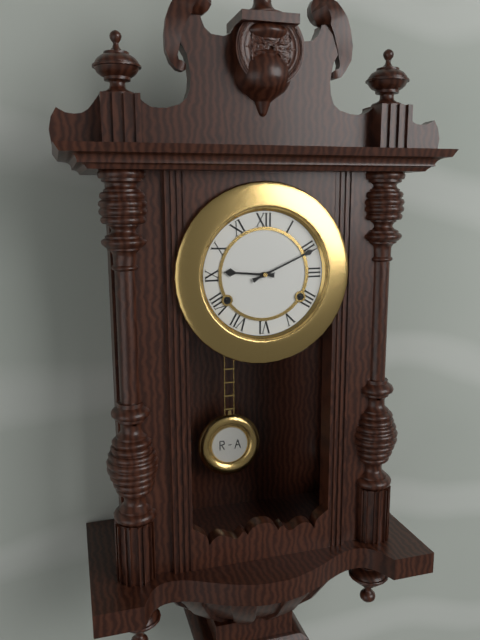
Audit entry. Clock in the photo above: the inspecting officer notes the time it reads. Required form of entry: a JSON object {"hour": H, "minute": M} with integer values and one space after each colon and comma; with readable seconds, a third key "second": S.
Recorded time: {"hour": 9, "minute": 11}
